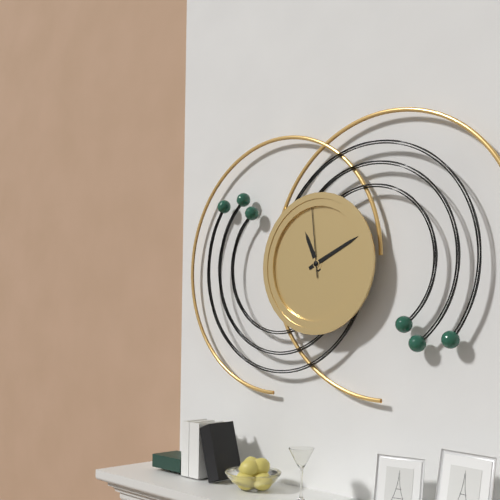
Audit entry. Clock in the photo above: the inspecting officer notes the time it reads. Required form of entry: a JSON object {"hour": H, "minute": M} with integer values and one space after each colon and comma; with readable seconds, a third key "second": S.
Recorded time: {"hour": 11, "minute": 11, "second": 59}
